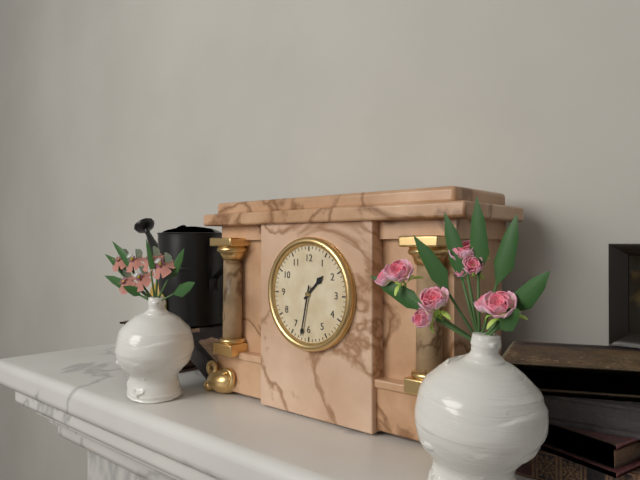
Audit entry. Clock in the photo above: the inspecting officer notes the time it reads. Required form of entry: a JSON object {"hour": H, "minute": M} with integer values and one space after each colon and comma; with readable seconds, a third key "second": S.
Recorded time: {"hour": 1, "minute": 32}
